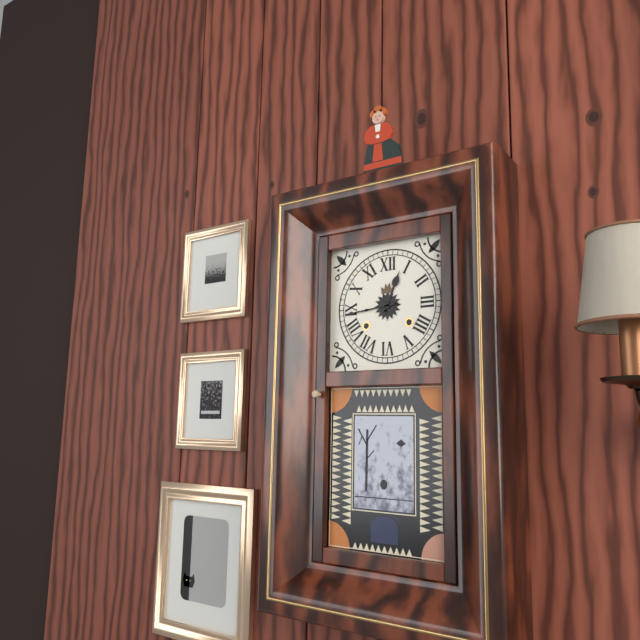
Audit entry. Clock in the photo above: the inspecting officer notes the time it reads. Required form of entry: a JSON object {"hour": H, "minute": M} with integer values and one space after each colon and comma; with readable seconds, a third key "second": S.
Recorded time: {"hour": 12, "minute": 44}
